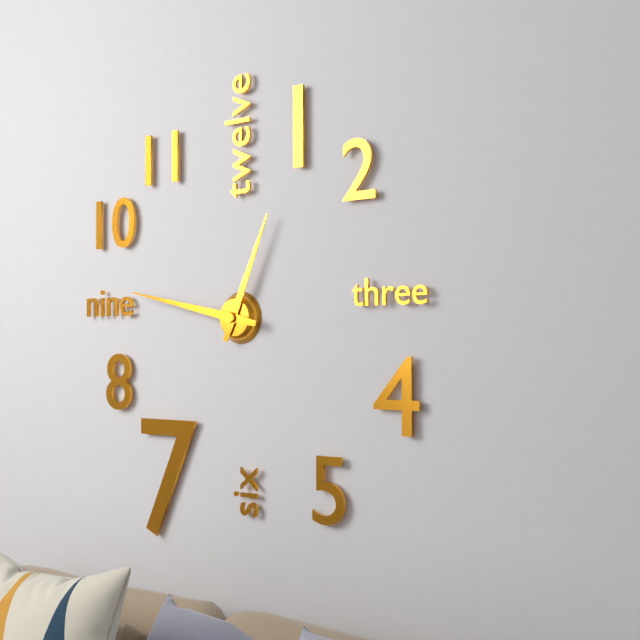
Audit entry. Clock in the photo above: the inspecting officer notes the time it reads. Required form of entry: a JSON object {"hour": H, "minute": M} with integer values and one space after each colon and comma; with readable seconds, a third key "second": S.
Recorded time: {"hour": 12, "minute": 47}
